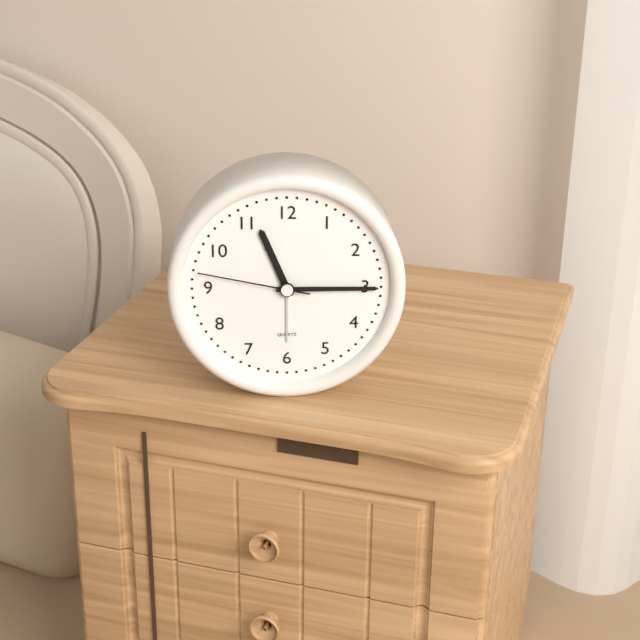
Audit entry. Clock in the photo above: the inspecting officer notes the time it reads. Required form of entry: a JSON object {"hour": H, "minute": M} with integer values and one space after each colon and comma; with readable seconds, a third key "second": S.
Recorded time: {"hour": 11, "minute": 15, "second": 47}
